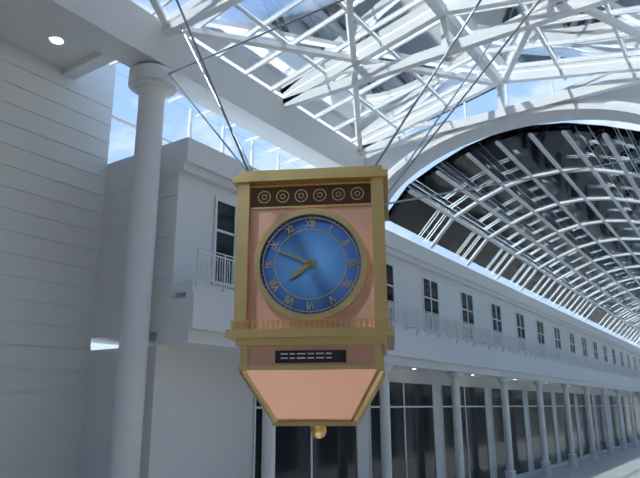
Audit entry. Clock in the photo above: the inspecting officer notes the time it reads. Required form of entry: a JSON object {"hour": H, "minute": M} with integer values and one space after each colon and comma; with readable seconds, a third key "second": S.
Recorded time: {"hour": 7, "minute": 49}
